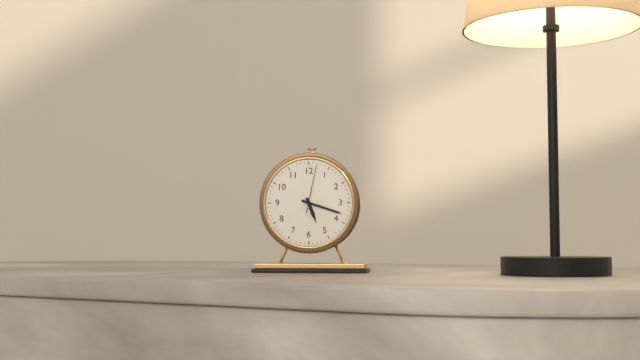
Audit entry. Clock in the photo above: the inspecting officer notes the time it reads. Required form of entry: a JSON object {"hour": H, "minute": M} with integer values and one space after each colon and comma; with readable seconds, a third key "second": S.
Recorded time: {"hour": 5, "minute": 18}
